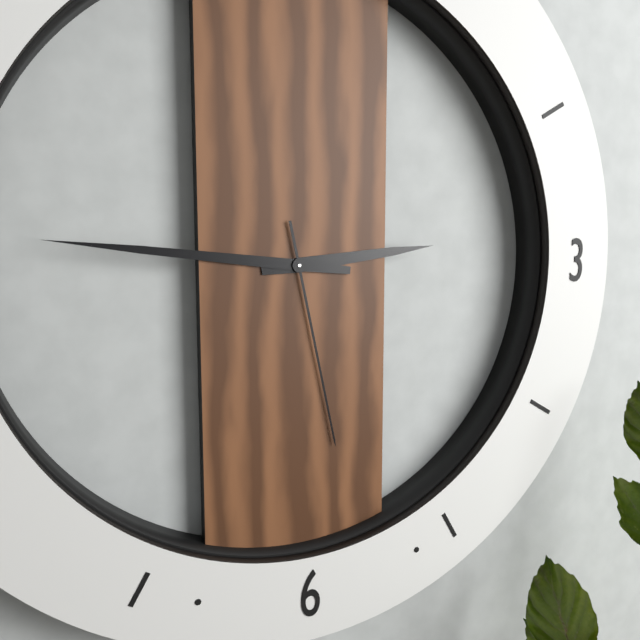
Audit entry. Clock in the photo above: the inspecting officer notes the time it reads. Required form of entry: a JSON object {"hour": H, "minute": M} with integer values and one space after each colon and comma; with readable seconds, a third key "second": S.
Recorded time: {"hour": 2, "minute": 46, "second": 28}
